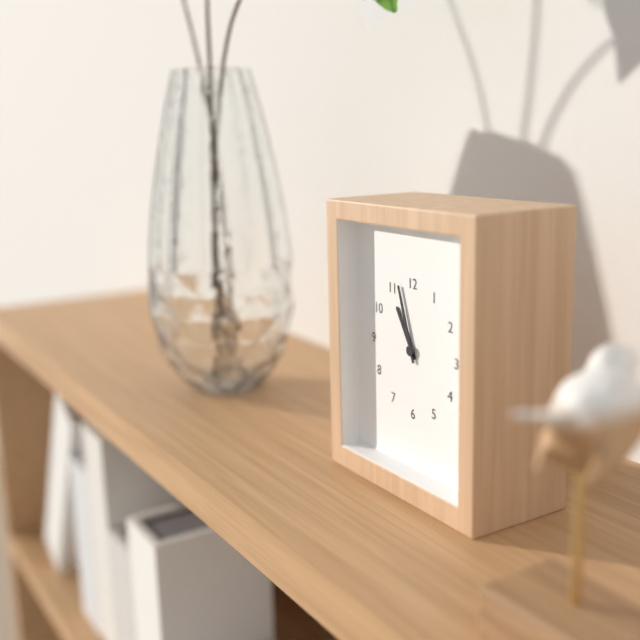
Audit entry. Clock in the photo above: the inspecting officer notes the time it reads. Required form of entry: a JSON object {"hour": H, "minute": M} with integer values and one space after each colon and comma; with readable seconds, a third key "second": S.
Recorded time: {"hour": 10, "minute": 57}
